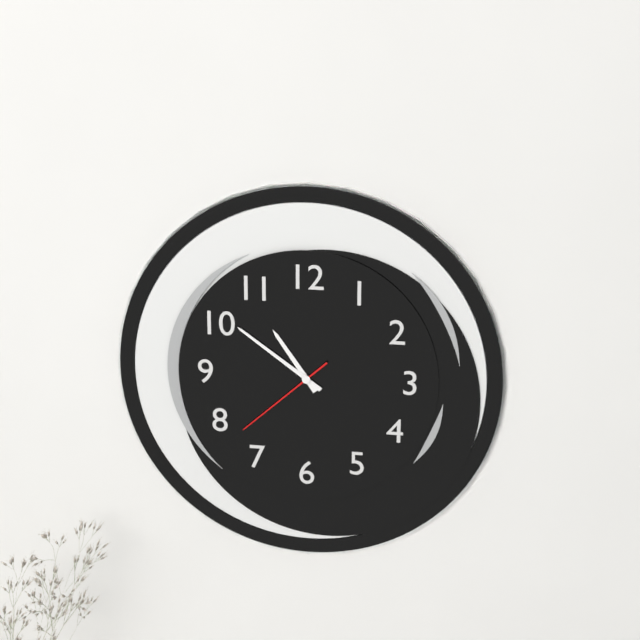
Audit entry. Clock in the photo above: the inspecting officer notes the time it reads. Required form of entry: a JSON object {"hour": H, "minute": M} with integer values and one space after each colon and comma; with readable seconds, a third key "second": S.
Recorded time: {"hour": 10, "minute": 51, "second": 38}
